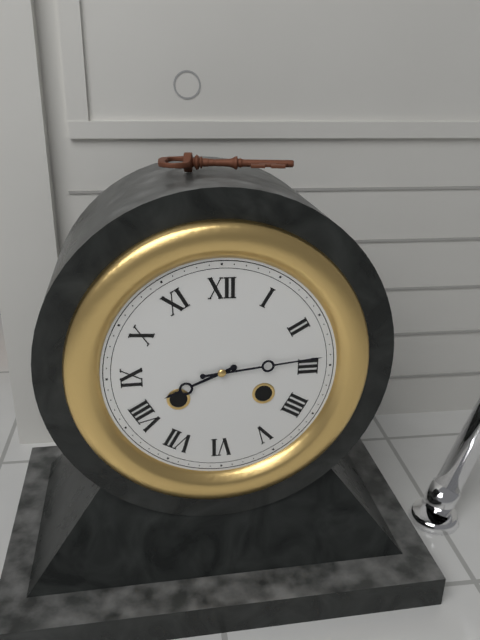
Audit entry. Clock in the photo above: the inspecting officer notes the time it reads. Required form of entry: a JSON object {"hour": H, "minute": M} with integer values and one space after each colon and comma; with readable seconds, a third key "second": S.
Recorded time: {"hour": 8, "minute": 14}
